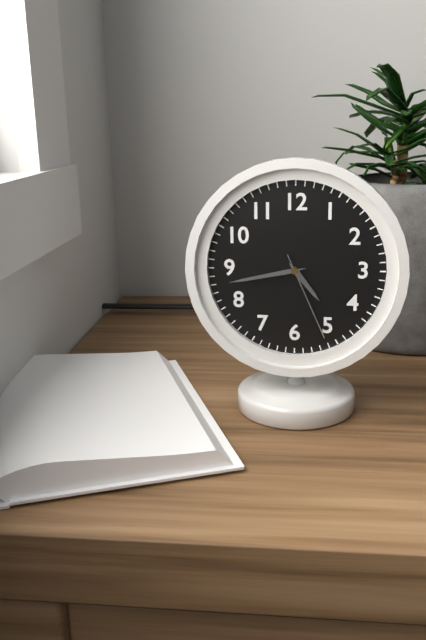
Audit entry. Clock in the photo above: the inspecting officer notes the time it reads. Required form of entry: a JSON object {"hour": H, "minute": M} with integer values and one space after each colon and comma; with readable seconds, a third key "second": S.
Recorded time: {"hour": 4, "minute": 43, "second": 26}
